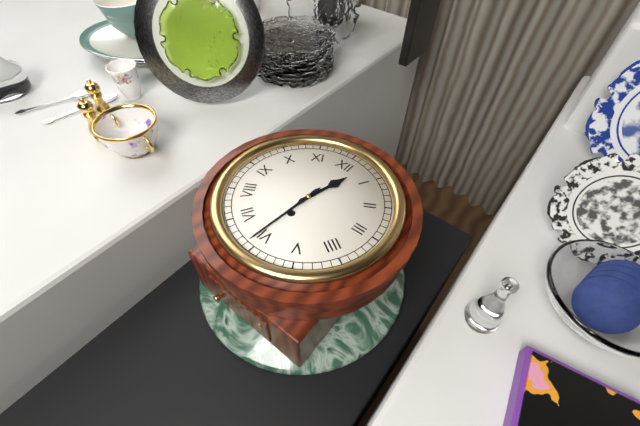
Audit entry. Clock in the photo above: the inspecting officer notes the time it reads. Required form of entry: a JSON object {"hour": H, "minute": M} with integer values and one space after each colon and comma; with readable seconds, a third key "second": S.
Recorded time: {"hour": 12, "minute": 31}
